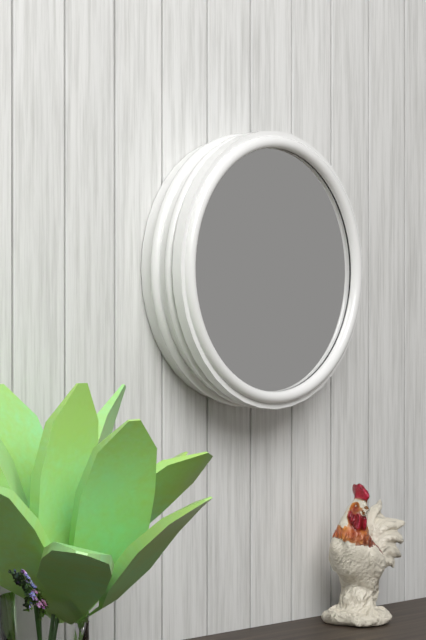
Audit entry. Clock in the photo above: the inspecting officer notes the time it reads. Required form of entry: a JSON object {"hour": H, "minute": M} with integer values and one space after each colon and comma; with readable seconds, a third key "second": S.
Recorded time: {"hour": 5, "minute": 26, "second": 51}
